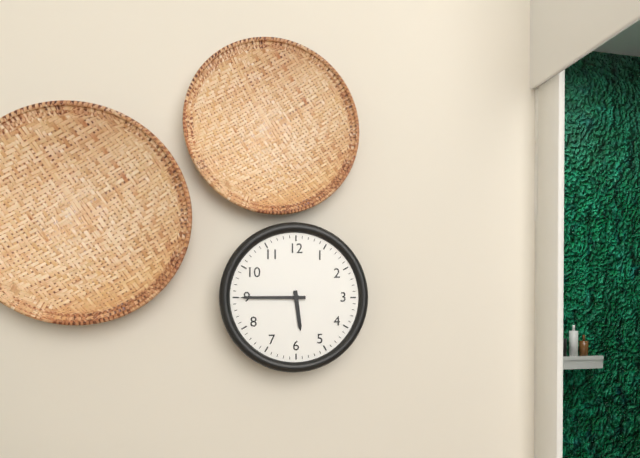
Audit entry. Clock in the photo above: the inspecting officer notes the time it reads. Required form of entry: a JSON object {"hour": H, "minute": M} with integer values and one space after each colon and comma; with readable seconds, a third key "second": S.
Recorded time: {"hour": 5, "minute": 45}
